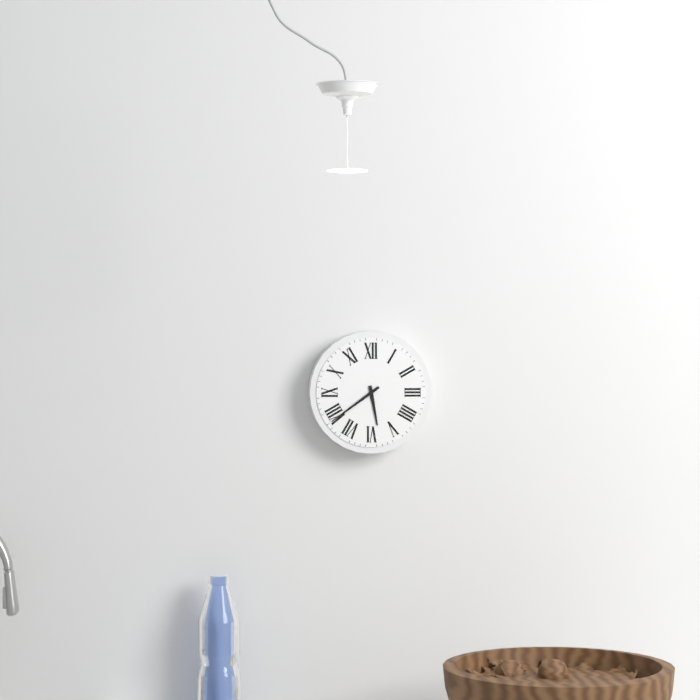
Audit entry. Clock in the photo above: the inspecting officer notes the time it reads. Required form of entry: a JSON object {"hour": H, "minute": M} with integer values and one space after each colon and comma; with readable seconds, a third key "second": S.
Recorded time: {"hour": 5, "minute": 39}
